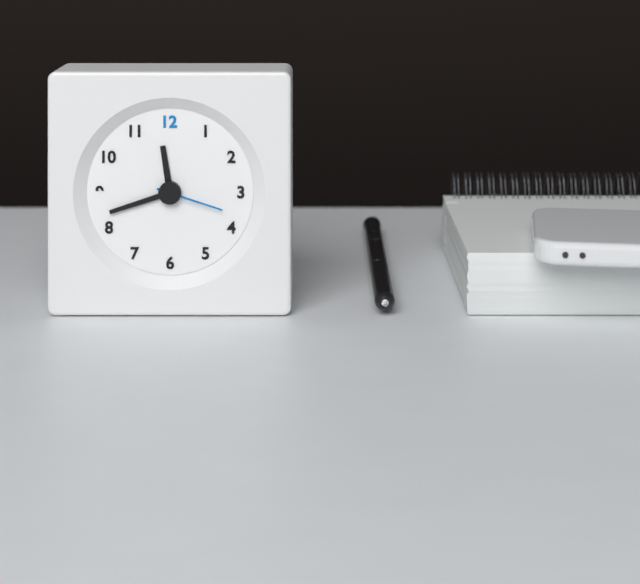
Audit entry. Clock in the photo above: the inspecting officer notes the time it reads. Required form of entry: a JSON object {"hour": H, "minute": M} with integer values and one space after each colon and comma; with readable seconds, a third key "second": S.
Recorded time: {"hour": 11, "minute": 42, "second": 18}
